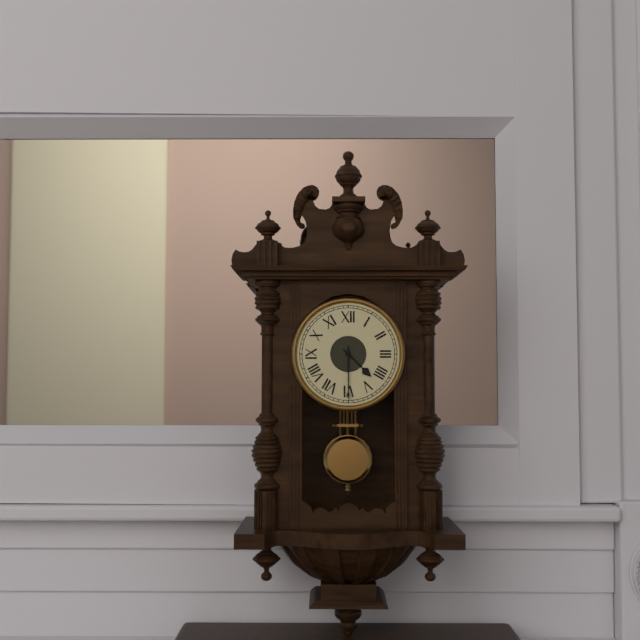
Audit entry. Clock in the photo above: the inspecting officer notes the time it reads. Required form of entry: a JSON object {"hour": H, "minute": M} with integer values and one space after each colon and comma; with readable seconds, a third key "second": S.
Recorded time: {"hour": 4, "minute": 30}
